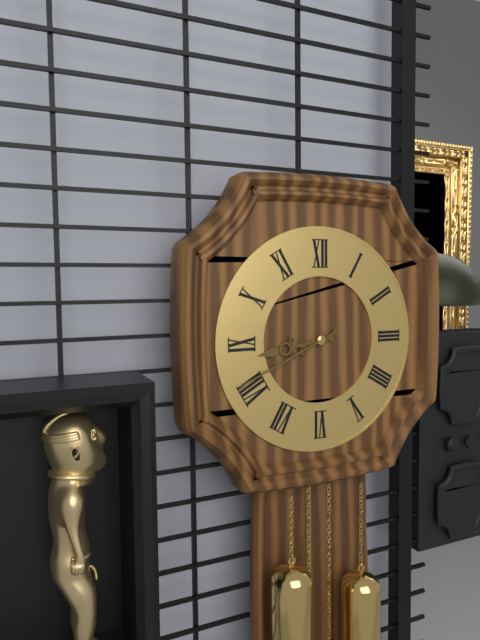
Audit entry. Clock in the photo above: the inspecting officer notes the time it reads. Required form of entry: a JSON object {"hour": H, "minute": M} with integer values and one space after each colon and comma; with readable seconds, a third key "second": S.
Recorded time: {"hour": 8, "minute": 41}
